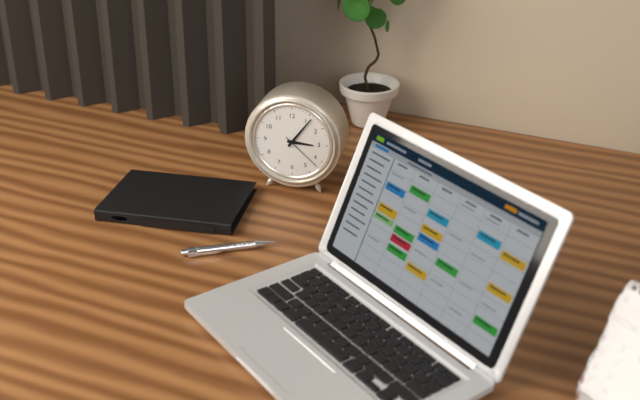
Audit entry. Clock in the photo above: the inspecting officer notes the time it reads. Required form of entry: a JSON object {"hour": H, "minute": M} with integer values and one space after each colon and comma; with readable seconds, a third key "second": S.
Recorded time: {"hour": 3, "minute": 6}
